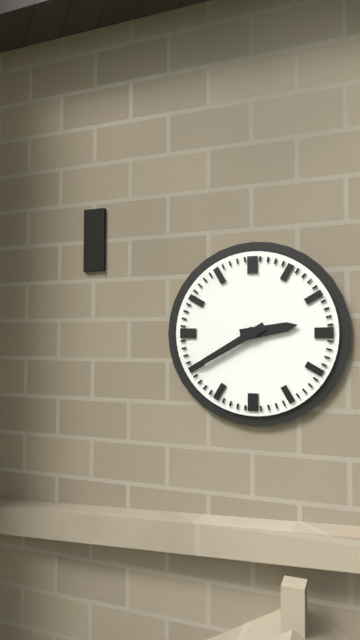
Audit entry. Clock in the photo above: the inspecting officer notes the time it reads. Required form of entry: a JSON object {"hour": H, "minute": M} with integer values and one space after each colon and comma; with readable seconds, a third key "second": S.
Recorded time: {"hour": 2, "minute": 40}
